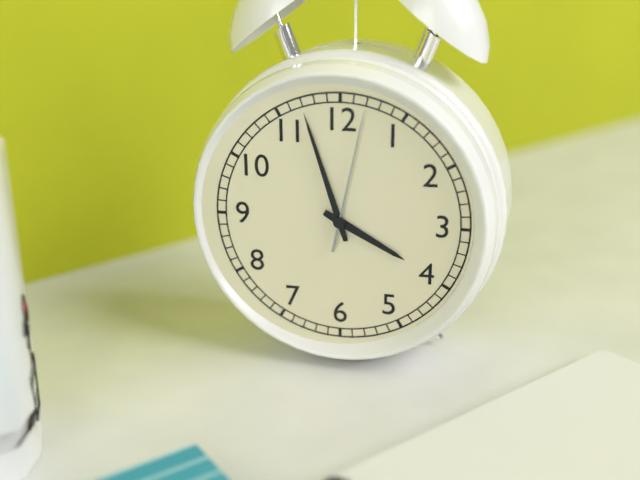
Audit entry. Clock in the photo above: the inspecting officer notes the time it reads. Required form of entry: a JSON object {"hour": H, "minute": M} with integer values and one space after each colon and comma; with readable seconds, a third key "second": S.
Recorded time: {"hour": 3, "minute": 57, "second": 2}
